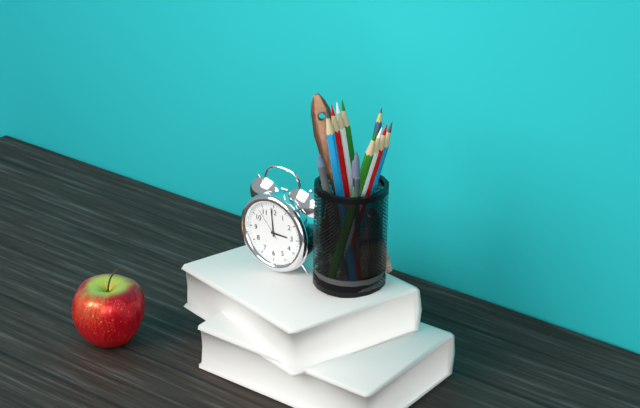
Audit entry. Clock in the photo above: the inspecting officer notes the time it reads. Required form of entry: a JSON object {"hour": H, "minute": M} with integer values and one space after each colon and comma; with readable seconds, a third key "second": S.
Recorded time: {"hour": 2, "minute": 59}
